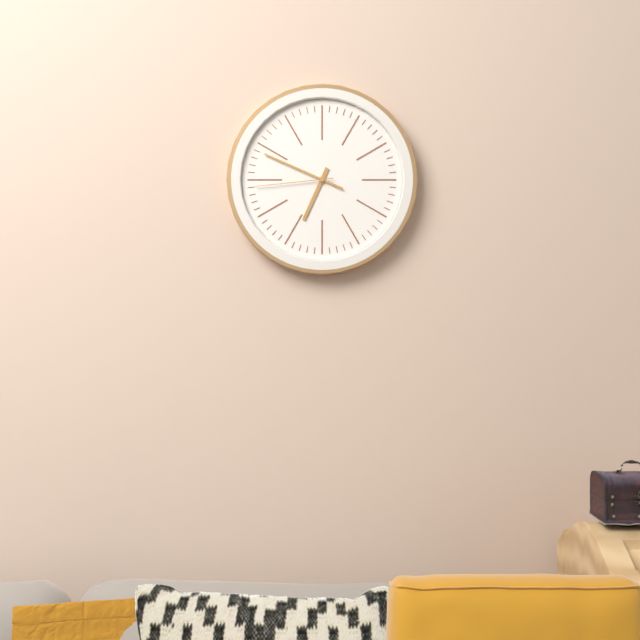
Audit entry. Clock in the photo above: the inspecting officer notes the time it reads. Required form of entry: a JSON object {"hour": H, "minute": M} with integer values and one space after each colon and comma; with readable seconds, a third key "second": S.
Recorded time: {"hour": 6, "minute": 49, "second": 44}
